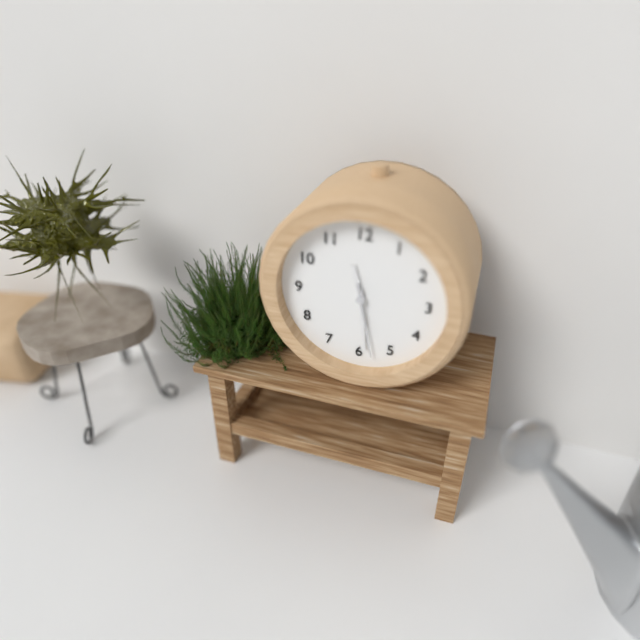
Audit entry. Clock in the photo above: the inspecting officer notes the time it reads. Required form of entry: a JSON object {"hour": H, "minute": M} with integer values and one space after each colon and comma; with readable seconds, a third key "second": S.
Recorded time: {"hour": 11, "minute": 29, "second": 28}
